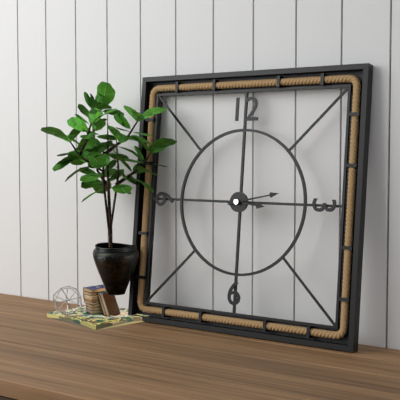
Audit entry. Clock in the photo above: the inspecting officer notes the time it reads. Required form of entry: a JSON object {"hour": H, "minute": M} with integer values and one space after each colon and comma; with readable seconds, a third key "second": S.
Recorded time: {"hour": 3, "minute": 13}
